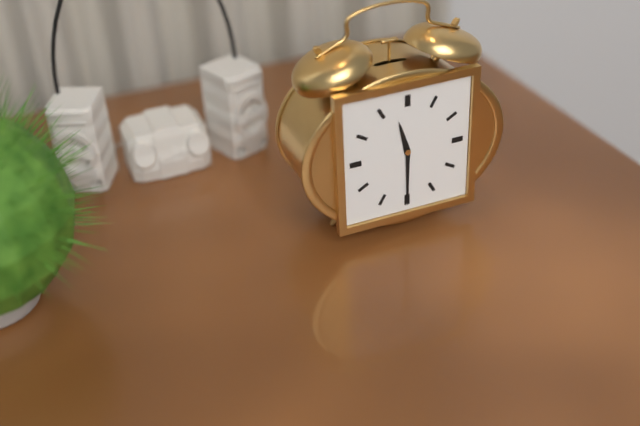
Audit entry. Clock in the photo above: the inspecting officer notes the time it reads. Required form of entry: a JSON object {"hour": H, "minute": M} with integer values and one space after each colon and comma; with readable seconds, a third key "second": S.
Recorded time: {"hour": 11, "minute": 30}
